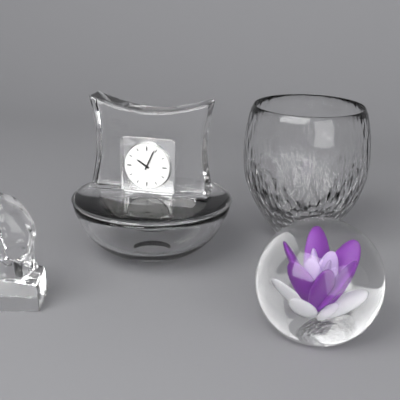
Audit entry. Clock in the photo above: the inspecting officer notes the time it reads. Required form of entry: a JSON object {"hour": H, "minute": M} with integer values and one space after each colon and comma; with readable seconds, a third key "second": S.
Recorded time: {"hour": 10, "minute": 4}
